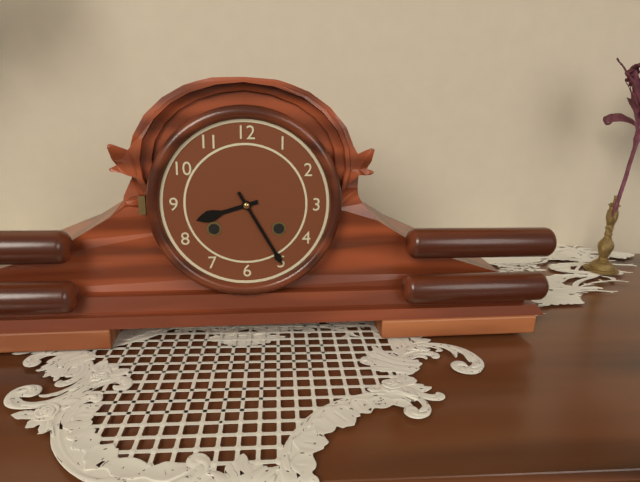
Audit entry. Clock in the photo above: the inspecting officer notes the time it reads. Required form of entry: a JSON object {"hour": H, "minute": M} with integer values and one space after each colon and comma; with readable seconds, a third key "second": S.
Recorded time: {"hour": 8, "minute": 25}
